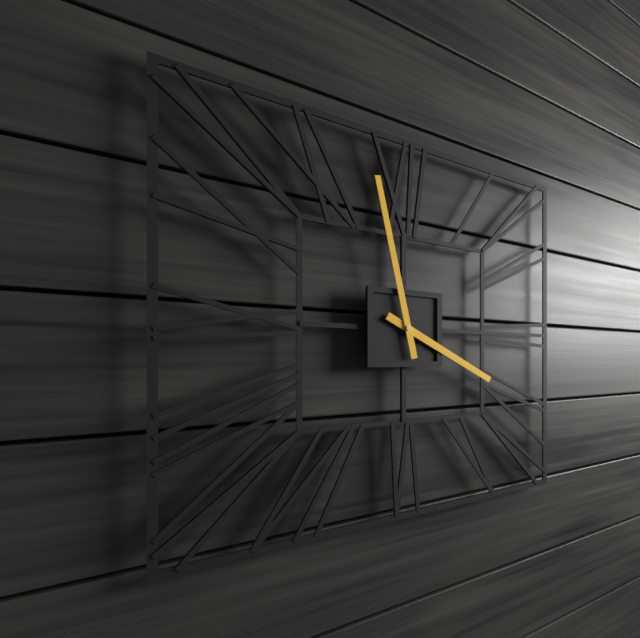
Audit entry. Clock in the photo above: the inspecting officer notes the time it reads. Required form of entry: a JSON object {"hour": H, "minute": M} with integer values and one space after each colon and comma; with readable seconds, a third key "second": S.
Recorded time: {"hour": 3, "minute": 58}
